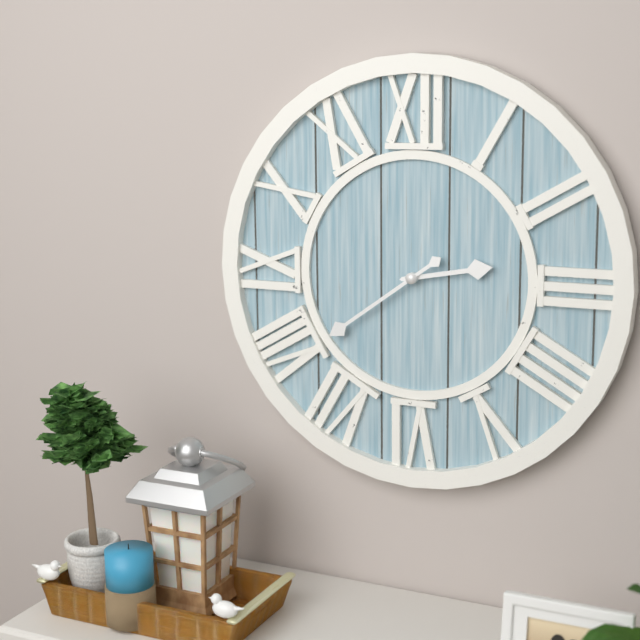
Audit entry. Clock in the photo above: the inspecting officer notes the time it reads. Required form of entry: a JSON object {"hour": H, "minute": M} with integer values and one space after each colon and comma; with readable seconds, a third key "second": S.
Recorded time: {"hour": 2, "minute": 39}
